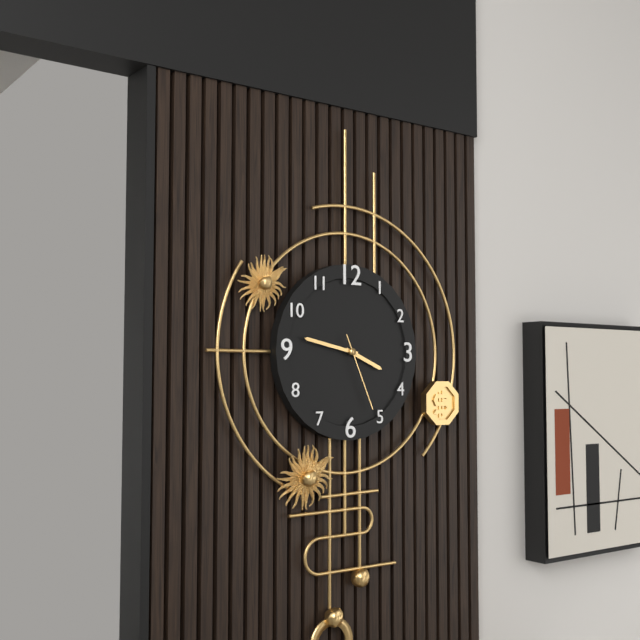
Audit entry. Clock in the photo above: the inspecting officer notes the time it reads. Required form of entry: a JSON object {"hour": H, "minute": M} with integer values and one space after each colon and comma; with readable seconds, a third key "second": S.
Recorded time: {"hour": 3, "minute": 47, "second": 26}
